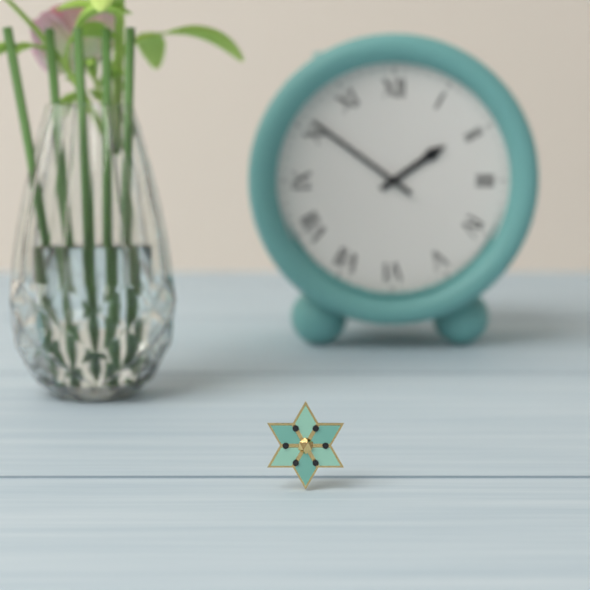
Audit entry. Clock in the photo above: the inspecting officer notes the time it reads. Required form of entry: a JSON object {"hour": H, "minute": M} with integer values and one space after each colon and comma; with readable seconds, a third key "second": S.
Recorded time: {"hour": 1, "minute": 51}
